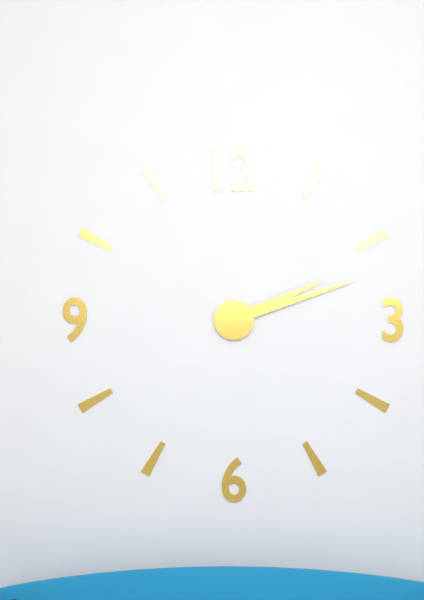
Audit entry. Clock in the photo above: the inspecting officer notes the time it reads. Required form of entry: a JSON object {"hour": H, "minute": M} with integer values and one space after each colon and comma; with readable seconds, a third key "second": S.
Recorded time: {"hour": 2, "minute": 12}
